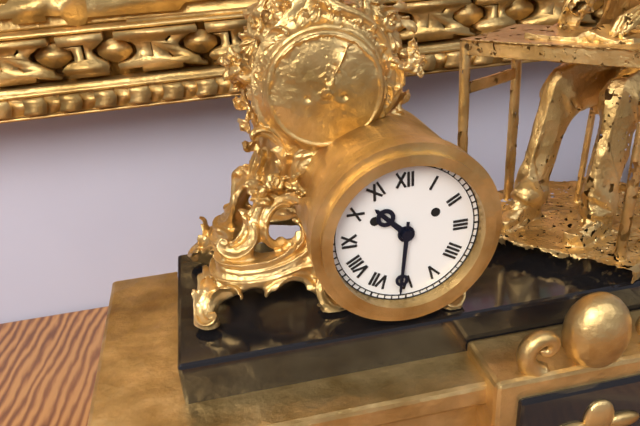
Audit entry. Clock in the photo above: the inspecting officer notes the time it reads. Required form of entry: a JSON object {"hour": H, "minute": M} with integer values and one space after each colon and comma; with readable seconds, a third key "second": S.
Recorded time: {"hour": 10, "minute": 31}
